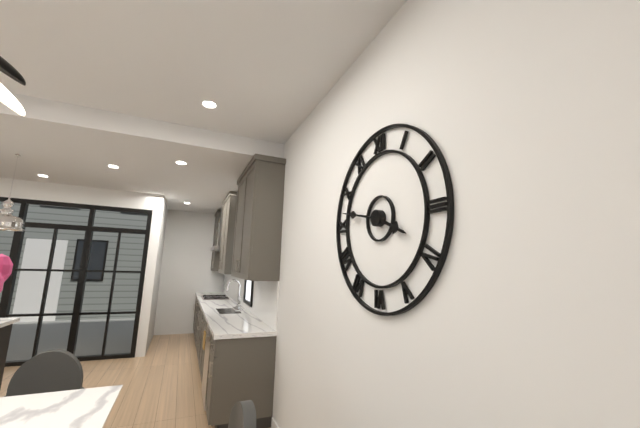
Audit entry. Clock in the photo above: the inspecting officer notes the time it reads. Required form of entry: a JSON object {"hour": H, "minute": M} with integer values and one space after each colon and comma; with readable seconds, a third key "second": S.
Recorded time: {"hour": 3, "minute": 47}
